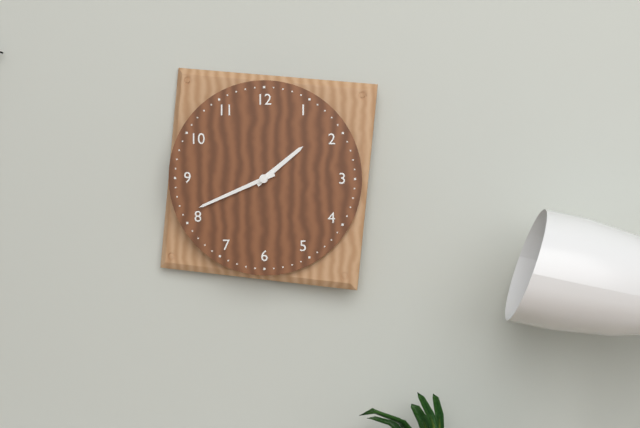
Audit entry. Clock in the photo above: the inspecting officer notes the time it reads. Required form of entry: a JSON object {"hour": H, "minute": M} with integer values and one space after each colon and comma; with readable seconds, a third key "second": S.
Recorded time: {"hour": 1, "minute": 41}
